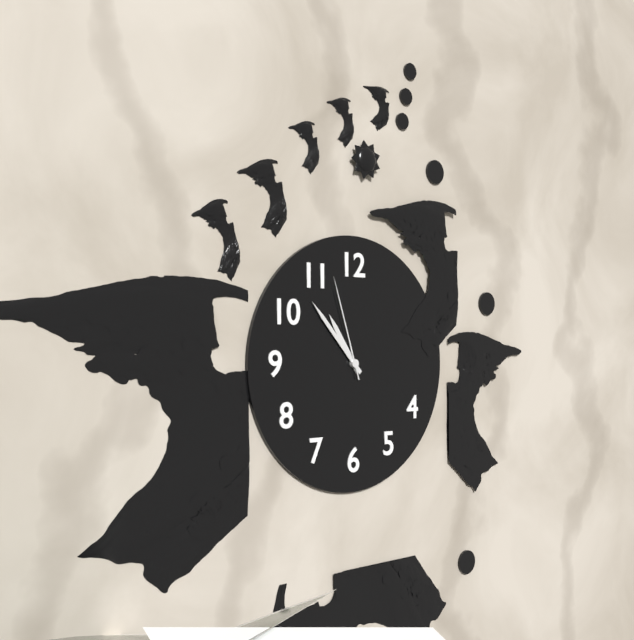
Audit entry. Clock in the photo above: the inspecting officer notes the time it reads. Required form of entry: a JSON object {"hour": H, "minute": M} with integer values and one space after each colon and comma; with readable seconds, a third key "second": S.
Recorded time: {"hour": 10, "minute": 53, "second": 57}
